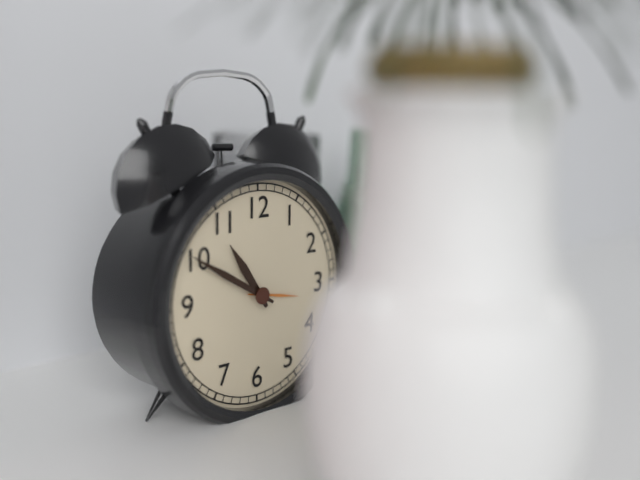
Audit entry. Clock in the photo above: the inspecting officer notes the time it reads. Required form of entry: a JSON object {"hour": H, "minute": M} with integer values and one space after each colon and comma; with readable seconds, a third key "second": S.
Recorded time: {"hour": 10, "minute": 50}
